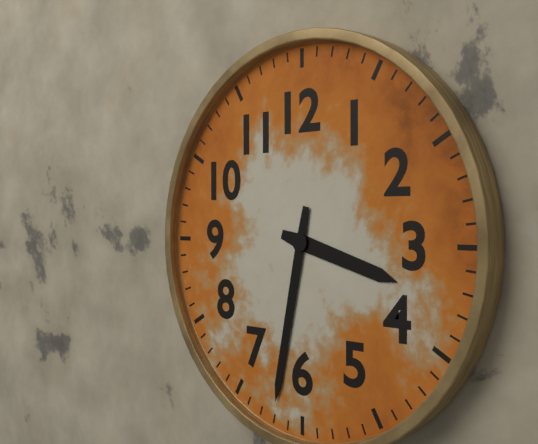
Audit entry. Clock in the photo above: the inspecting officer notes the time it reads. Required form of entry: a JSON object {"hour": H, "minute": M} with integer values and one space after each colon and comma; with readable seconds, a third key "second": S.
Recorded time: {"hour": 3, "minute": 32}
